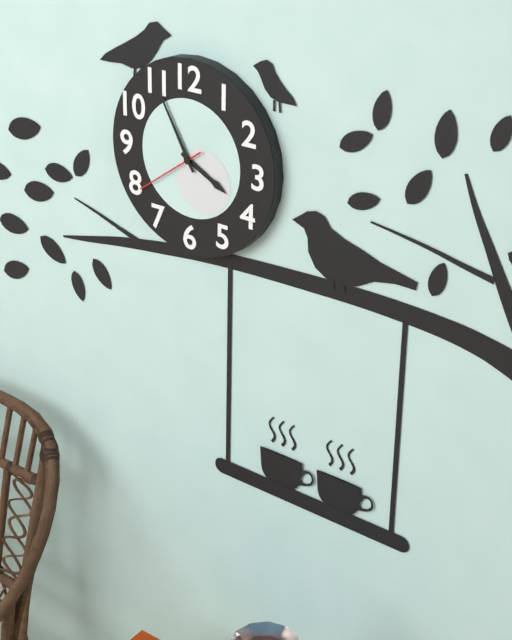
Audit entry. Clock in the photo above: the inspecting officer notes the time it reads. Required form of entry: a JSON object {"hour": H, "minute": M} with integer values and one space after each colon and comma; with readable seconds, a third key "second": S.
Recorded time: {"hour": 3, "minute": 55, "second": 39}
